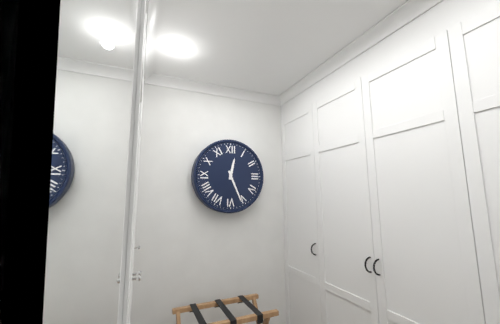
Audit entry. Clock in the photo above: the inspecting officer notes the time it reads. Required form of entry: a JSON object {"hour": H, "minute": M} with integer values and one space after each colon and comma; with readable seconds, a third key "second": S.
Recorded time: {"hour": 12, "minute": 26}
